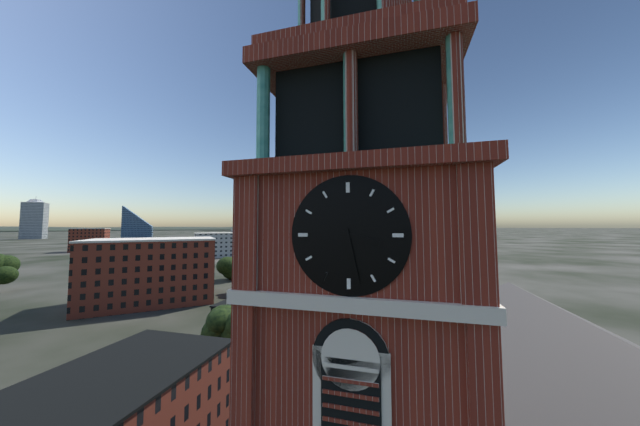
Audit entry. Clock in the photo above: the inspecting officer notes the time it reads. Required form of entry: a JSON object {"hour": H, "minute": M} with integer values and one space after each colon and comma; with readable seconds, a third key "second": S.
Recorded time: {"hour": 3, "minute": 28}
